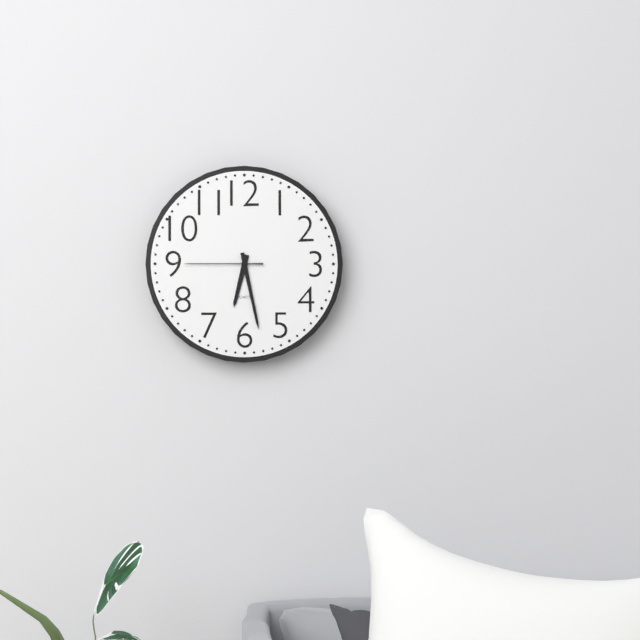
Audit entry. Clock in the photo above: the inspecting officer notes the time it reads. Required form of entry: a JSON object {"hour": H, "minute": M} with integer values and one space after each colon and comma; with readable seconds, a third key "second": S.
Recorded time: {"hour": 6, "minute": 28, "second": 45}
